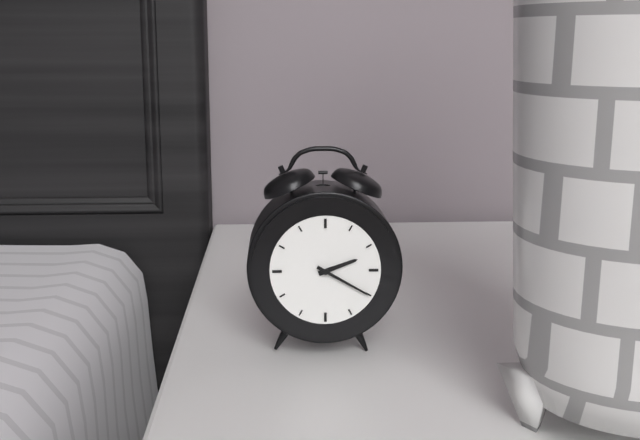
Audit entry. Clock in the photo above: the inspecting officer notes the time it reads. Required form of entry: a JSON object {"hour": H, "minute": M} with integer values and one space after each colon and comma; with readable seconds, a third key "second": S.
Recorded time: {"hour": 2, "minute": 20}
